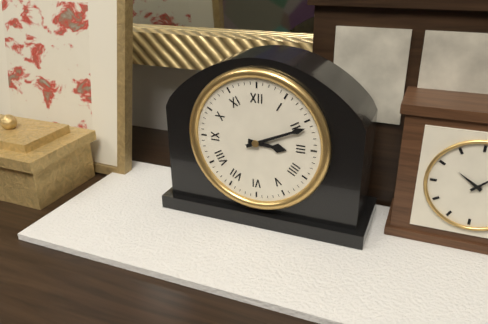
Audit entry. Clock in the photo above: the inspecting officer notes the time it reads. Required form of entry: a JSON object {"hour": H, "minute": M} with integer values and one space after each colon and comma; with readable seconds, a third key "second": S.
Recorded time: {"hour": 3, "minute": 11}
